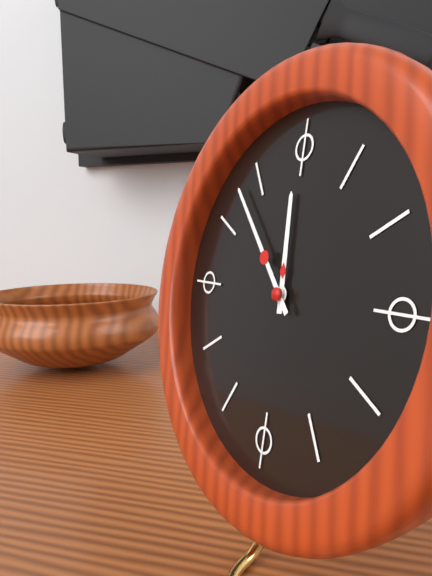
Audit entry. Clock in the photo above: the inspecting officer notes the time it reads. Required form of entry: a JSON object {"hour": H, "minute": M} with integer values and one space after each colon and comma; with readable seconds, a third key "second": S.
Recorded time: {"hour": 11, "minute": 53}
